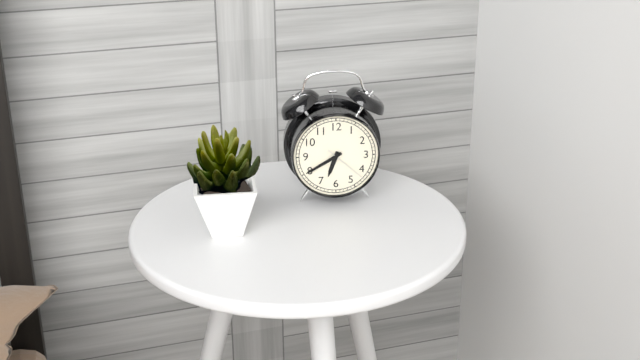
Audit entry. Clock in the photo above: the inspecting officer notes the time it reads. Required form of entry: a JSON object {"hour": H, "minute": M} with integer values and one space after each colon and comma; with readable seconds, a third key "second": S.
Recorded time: {"hour": 6, "minute": 40}
